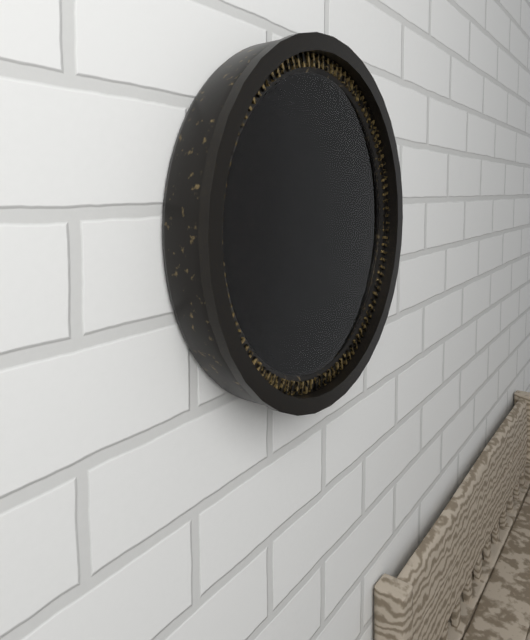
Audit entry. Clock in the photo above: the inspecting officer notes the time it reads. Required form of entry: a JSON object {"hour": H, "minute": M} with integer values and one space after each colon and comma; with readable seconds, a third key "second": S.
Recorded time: {"hour": 1, "minute": 38}
